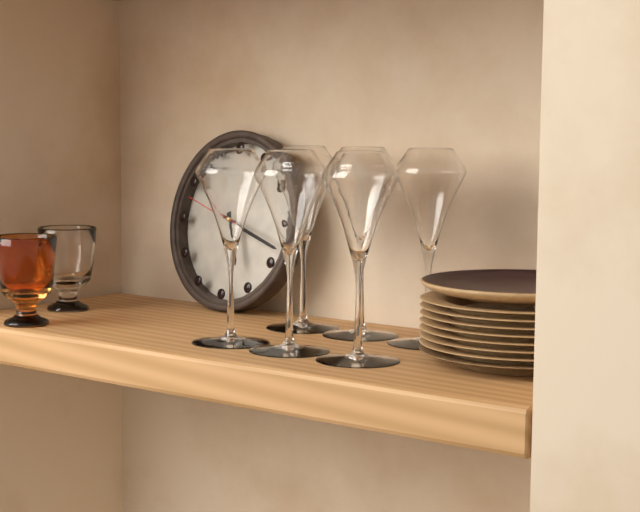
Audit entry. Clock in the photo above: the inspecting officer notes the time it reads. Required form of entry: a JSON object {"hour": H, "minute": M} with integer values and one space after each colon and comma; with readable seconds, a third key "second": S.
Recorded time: {"hour": 5, "minute": 18, "second": 48}
